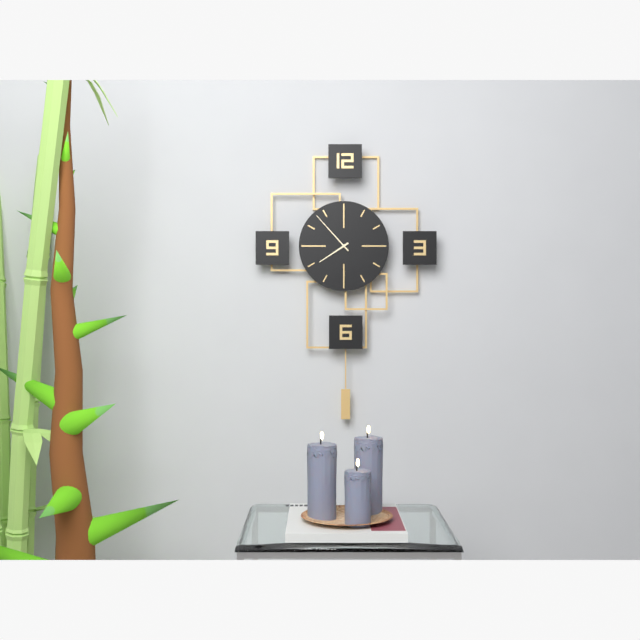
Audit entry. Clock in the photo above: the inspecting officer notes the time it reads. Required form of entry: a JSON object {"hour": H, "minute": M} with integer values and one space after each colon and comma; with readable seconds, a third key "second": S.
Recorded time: {"hour": 7, "minute": 53}
